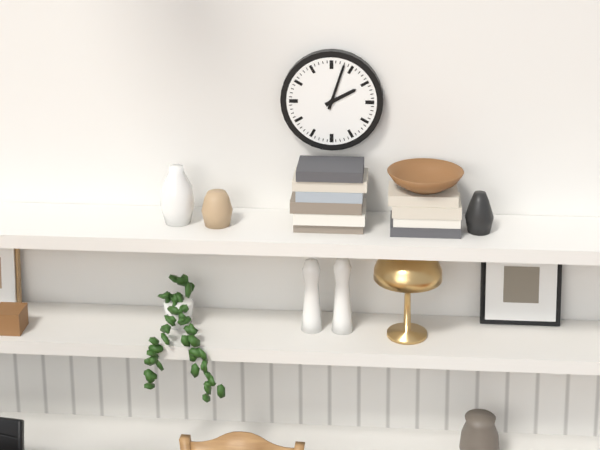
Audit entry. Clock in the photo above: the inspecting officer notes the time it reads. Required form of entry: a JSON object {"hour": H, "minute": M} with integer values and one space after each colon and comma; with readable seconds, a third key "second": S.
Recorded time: {"hour": 2, "minute": 3}
